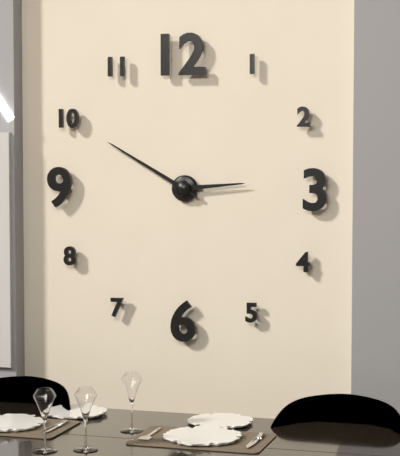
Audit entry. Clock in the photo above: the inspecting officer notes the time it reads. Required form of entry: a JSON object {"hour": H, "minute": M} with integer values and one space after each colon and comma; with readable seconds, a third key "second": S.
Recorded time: {"hour": 2, "minute": 50}
